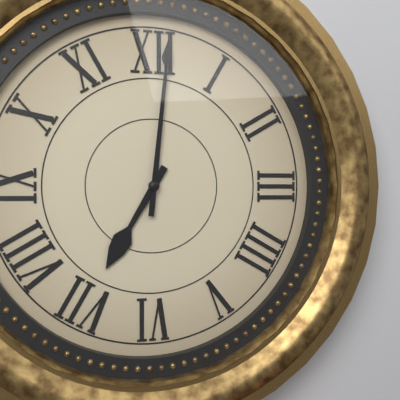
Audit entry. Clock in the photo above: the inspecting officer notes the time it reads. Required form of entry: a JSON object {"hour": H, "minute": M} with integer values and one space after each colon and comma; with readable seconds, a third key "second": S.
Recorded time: {"hour": 7, "minute": 1}
